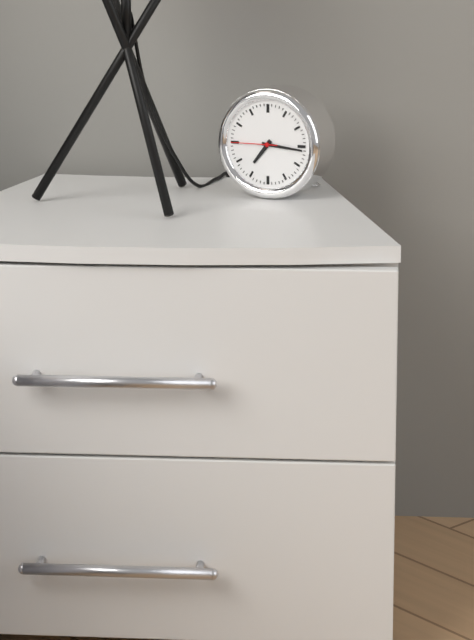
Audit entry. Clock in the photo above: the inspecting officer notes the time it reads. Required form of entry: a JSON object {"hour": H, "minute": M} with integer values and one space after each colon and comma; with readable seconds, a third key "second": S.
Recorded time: {"hour": 7, "minute": 16, "second": 45}
